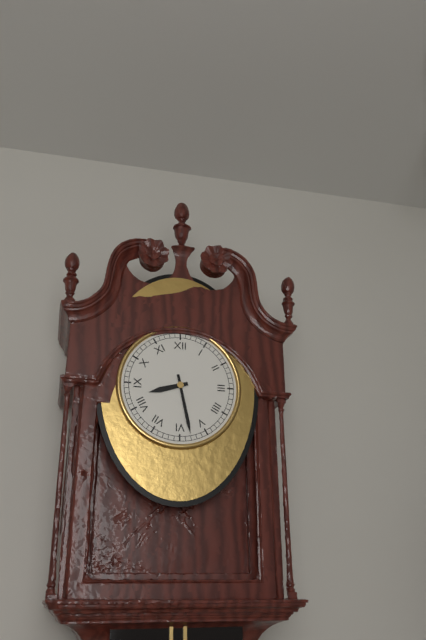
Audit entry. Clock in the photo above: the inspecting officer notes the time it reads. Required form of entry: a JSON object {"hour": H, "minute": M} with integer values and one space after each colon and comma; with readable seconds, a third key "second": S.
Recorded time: {"hour": 8, "minute": 28}
